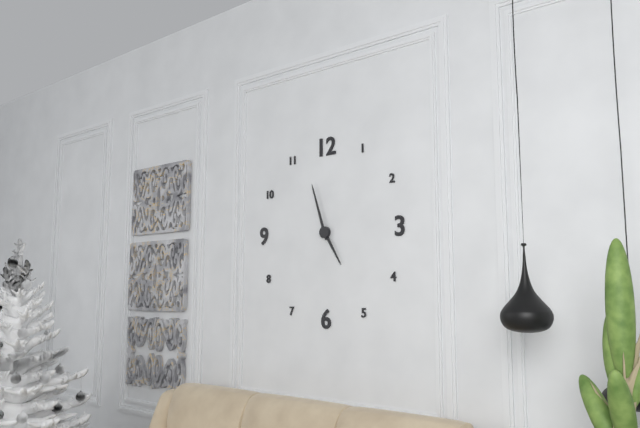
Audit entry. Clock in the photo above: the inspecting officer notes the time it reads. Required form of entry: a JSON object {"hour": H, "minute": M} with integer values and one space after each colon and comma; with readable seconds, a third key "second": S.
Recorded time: {"hour": 4, "minute": 57}
